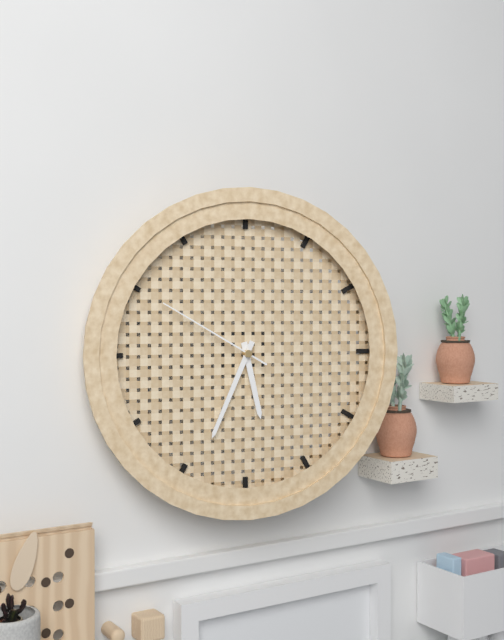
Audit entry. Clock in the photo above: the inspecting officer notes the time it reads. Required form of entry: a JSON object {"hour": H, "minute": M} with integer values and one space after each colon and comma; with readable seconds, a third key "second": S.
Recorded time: {"hour": 5, "minute": 34, "second": 50}
